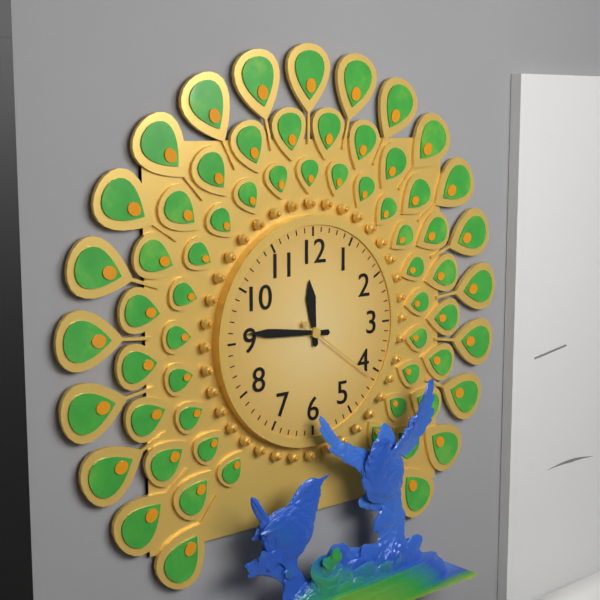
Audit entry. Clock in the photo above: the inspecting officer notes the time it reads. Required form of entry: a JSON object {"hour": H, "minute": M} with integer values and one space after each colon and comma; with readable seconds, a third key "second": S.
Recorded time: {"hour": 11, "minute": 46, "second": 21}
